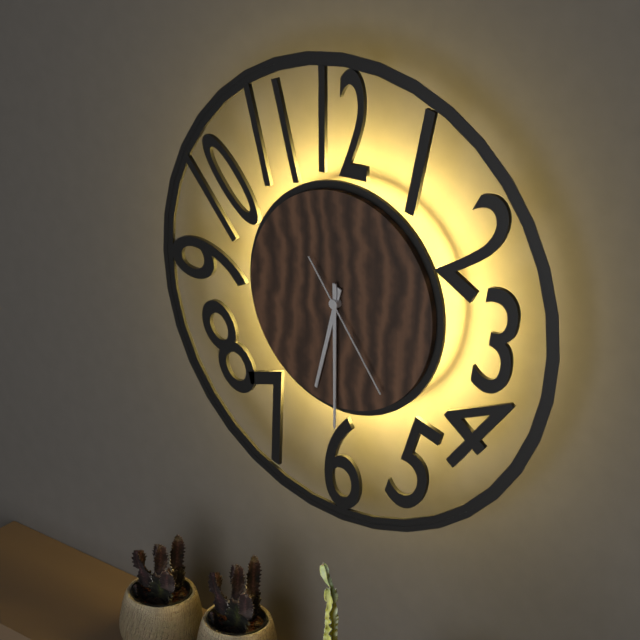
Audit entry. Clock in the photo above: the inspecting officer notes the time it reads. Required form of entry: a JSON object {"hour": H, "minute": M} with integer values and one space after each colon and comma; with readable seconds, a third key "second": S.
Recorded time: {"hour": 6, "minute": 30, "second": 24}
